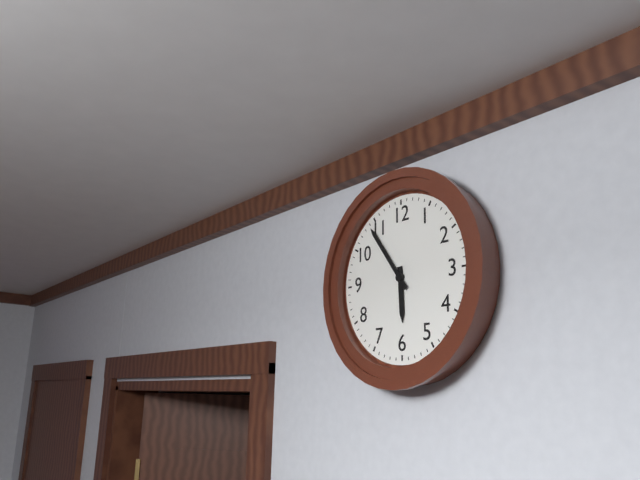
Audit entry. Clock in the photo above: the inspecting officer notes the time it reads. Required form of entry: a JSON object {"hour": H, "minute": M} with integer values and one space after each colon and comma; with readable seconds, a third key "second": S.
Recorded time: {"hour": 5, "minute": 54}
